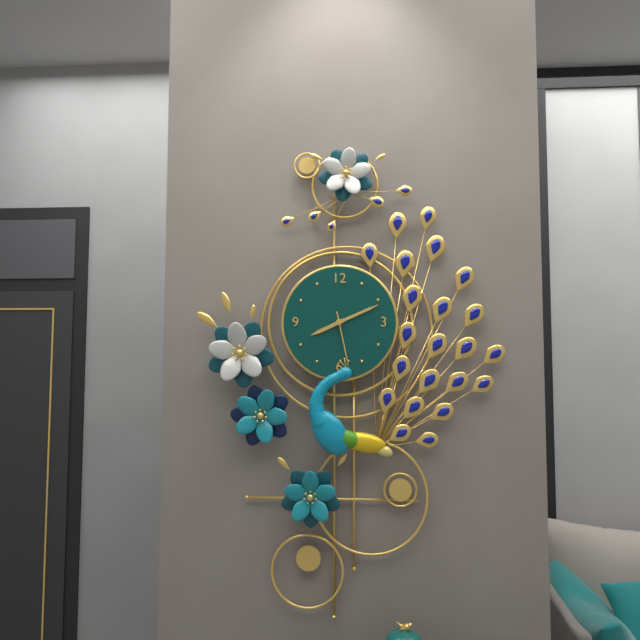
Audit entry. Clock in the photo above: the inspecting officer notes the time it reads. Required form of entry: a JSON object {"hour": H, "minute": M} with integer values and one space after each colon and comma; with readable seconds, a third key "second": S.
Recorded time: {"hour": 8, "minute": 11, "second": 28}
